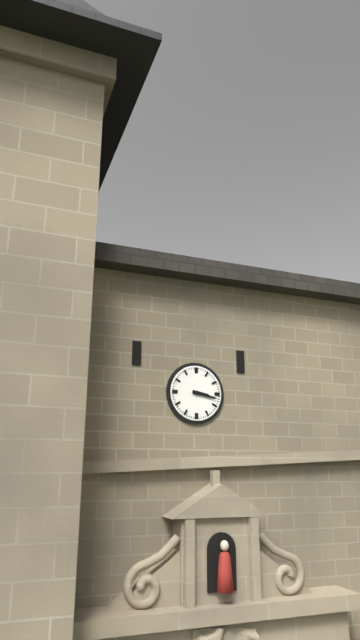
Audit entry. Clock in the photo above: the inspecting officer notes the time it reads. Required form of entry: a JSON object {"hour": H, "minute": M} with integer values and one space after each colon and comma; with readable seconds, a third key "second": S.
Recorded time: {"hour": 3, "minute": 17}
